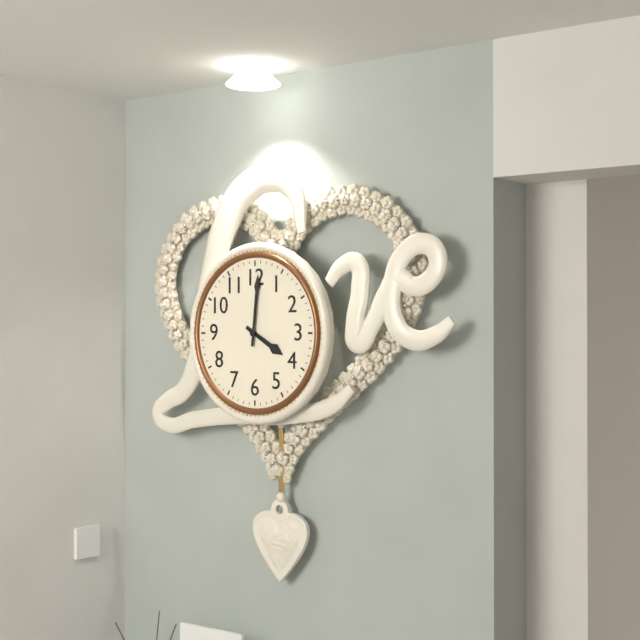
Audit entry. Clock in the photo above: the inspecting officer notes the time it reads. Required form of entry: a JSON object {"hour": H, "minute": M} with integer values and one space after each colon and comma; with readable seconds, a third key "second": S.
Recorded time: {"hour": 4, "minute": 1}
